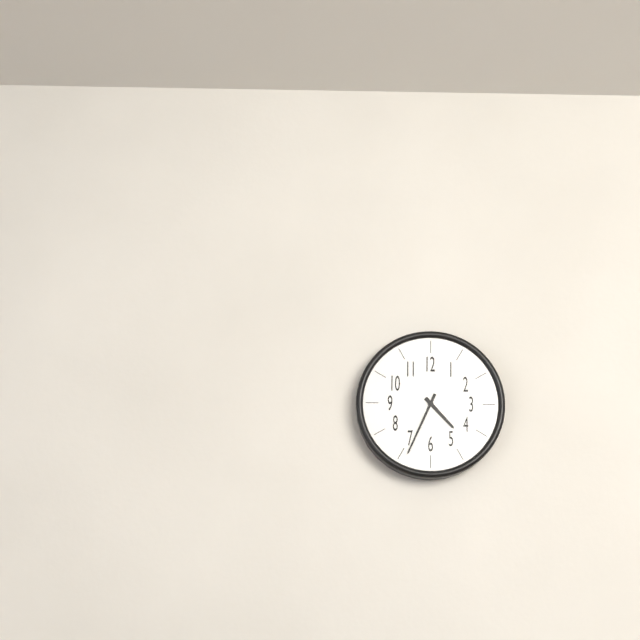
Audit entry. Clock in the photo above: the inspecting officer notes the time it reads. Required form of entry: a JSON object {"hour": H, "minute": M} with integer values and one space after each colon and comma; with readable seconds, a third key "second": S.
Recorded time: {"hour": 4, "minute": 34}
